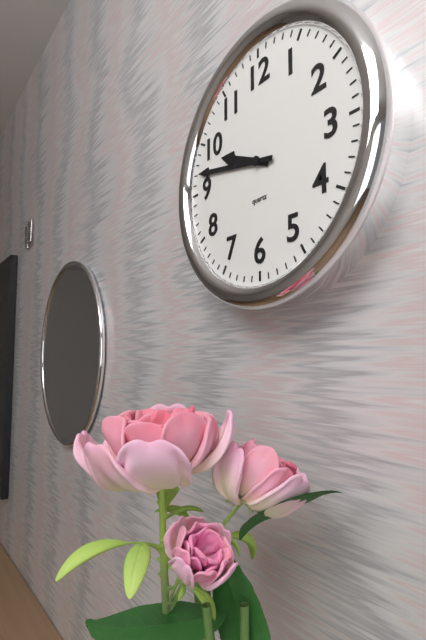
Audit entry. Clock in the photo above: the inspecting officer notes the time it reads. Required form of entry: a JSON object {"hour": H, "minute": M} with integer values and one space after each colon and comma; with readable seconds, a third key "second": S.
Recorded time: {"hour": 9, "minute": 47}
